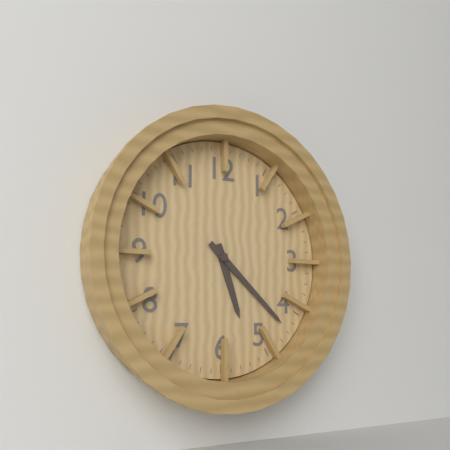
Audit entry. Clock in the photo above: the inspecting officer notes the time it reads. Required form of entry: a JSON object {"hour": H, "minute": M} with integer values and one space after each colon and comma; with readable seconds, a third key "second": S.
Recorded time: {"hour": 5, "minute": 22}
